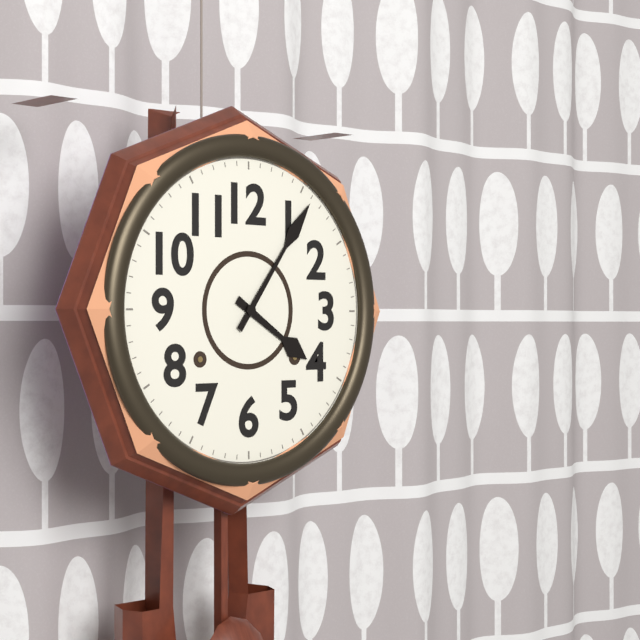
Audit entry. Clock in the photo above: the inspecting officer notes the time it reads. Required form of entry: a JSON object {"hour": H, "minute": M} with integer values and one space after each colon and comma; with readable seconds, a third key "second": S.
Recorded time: {"hour": 4, "minute": 6}
